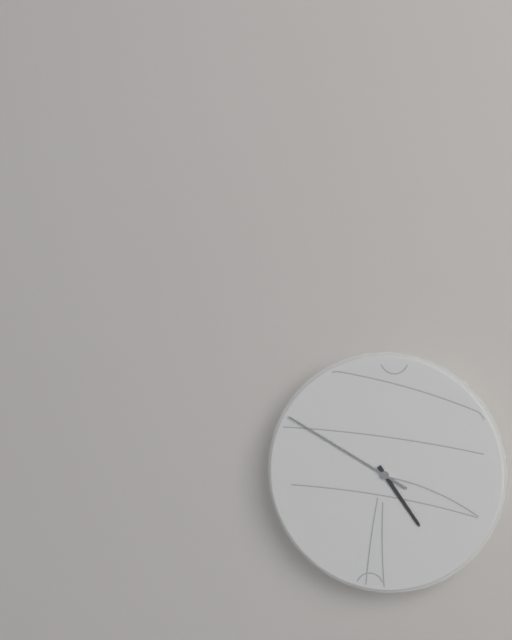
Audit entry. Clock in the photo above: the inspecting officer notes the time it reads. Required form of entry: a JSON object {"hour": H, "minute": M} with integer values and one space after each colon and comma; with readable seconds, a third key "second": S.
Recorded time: {"hour": 4, "minute": 50}
